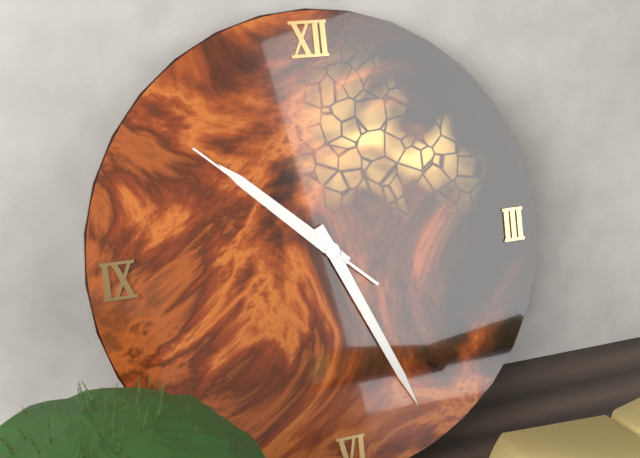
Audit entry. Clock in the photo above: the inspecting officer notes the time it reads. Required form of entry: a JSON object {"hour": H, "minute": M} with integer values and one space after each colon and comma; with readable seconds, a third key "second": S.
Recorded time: {"hour": 10, "minute": 26, "second": 52}
